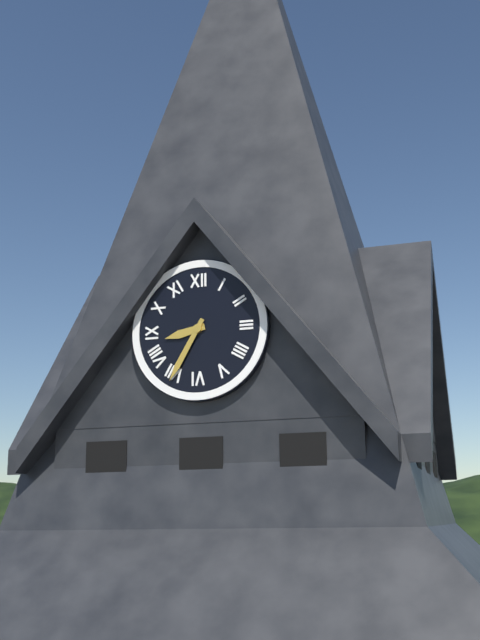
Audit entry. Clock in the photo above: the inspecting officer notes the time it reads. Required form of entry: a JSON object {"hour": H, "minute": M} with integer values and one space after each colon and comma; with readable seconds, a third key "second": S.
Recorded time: {"hour": 8, "minute": 35}
